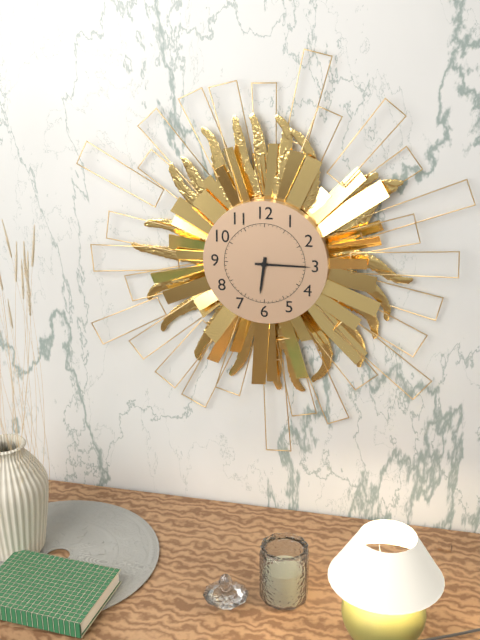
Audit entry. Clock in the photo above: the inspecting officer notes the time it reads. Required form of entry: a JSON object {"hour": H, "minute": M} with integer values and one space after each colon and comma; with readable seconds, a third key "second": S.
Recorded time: {"hour": 6, "minute": 15}
